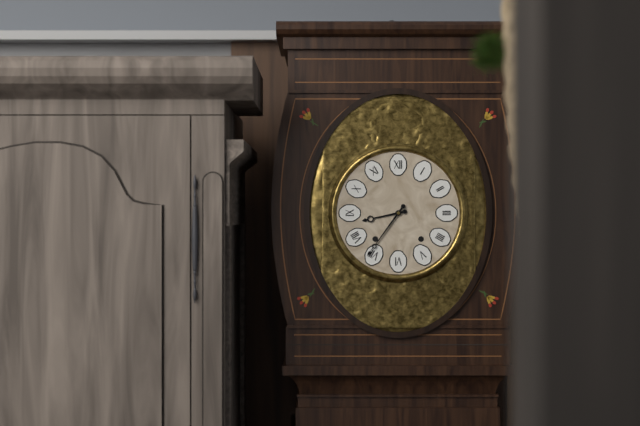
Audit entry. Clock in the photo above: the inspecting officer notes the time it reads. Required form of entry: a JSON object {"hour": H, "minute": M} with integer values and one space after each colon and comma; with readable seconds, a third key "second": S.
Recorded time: {"hour": 8, "minute": 36}
